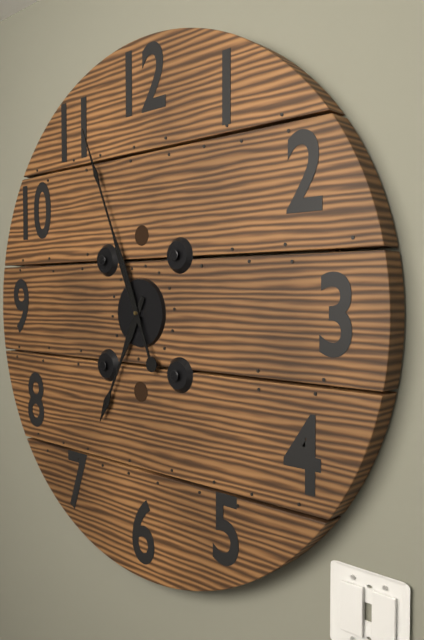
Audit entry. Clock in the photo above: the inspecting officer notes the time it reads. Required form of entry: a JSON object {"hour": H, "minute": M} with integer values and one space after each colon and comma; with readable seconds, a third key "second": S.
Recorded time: {"hour": 6, "minute": 56}
